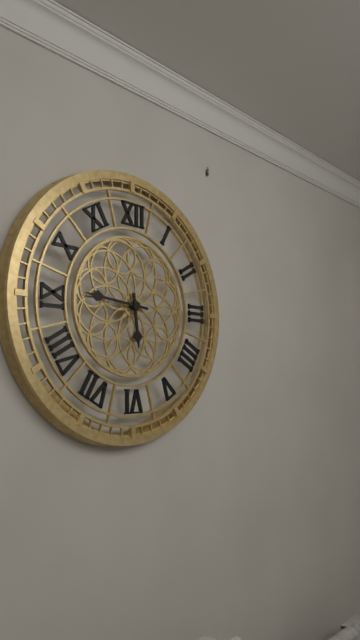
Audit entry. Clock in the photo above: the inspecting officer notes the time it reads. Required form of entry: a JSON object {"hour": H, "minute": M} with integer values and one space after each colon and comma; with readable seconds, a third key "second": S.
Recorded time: {"hour": 5, "minute": 46}
